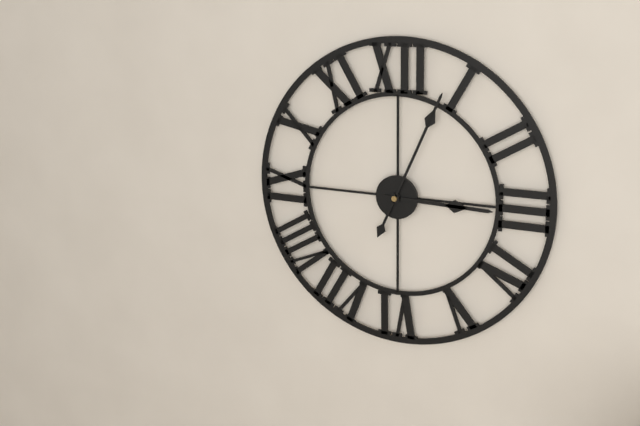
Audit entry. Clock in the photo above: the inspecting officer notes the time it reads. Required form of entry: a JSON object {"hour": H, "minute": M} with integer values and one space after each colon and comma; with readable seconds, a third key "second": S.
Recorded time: {"hour": 3, "minute": 4}
